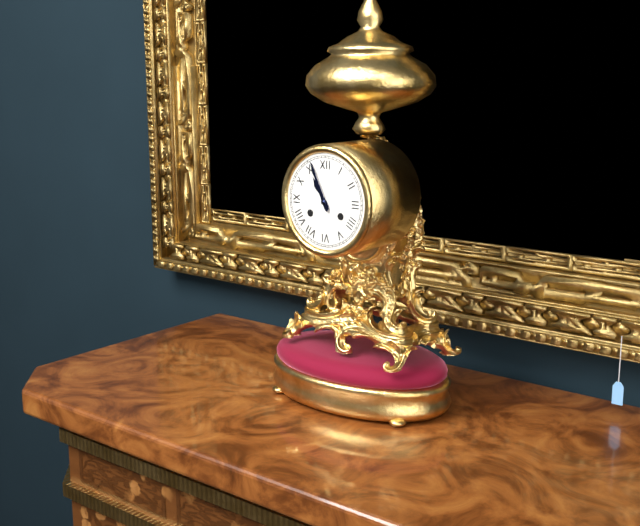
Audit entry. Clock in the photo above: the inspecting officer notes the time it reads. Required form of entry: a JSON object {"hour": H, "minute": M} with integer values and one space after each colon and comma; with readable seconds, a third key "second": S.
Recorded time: {"hour": 10, "minute": 56}
